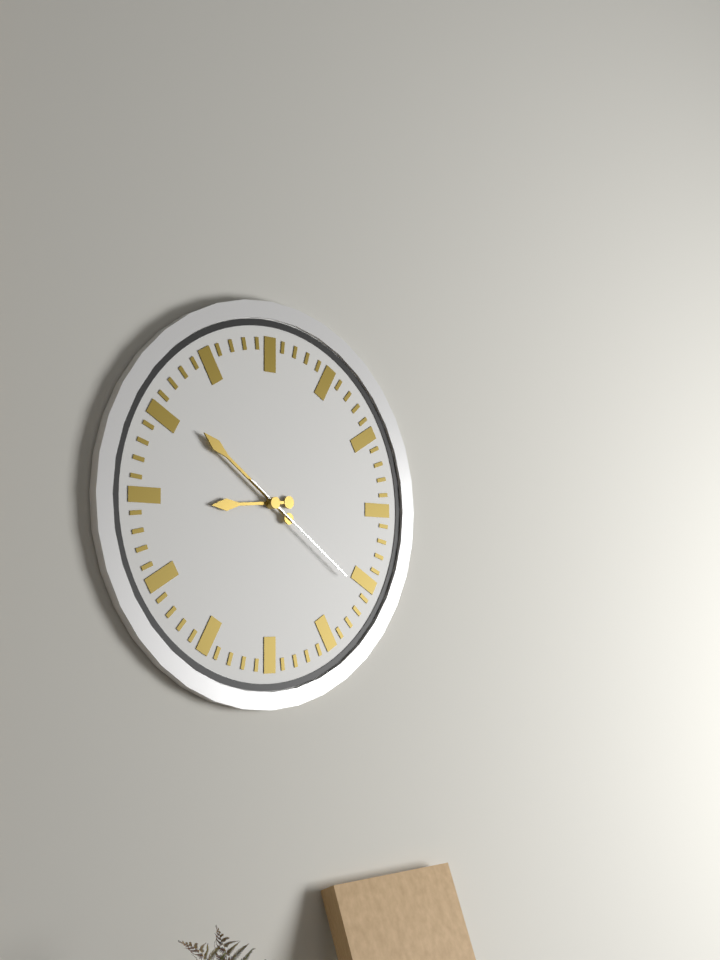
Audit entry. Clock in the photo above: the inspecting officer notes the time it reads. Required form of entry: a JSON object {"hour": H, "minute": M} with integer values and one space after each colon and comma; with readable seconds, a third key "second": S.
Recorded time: {"hour": 8, "minute": 51, "second": 21}
